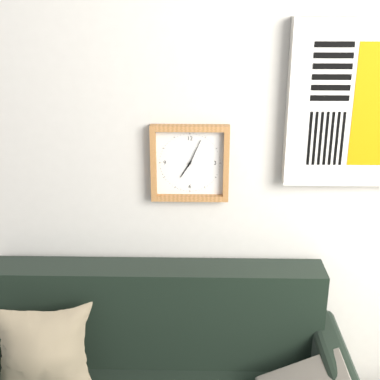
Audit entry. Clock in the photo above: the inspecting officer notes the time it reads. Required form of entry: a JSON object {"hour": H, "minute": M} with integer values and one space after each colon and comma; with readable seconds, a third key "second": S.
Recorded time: {"hour": 7, "minute": 4}
